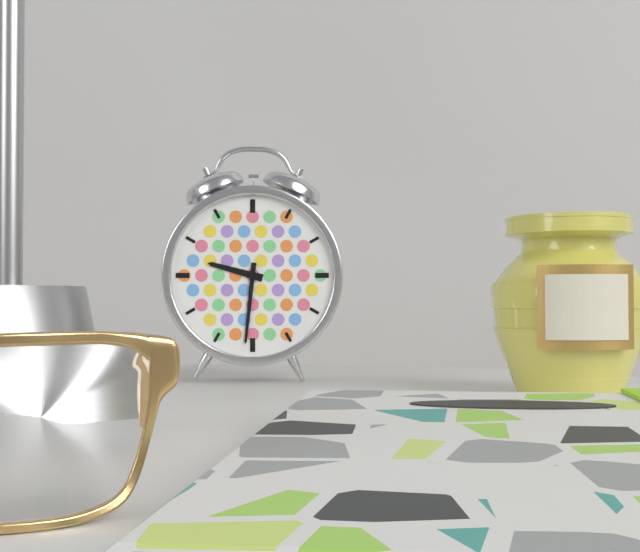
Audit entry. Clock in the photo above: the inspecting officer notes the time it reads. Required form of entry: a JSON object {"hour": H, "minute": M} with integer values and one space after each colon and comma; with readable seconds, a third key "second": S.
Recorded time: {"hour": 9, "minute": 31}
